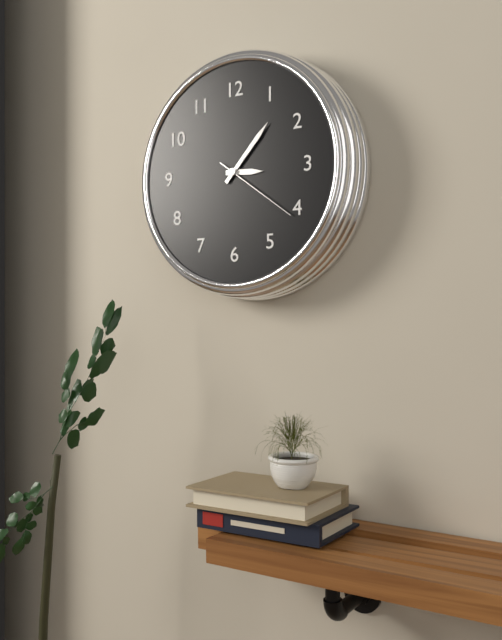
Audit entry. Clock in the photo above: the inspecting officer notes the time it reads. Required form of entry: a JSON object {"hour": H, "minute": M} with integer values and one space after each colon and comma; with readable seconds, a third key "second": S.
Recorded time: {"hour": 3, "minute": 7, "second": 21}
